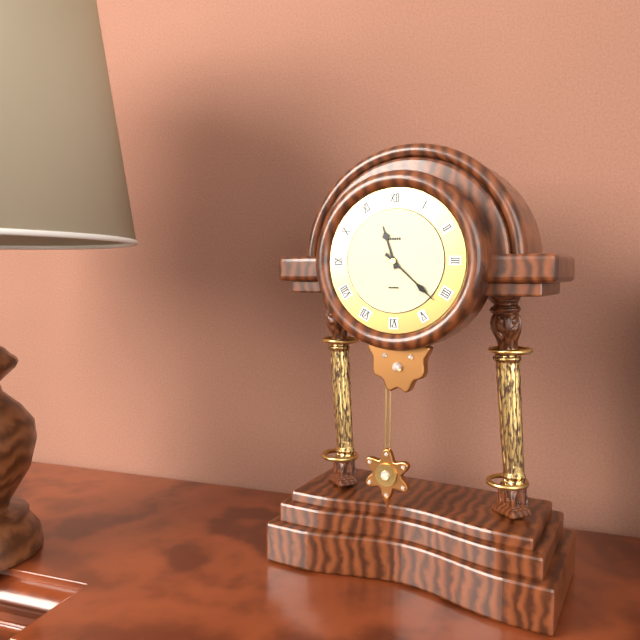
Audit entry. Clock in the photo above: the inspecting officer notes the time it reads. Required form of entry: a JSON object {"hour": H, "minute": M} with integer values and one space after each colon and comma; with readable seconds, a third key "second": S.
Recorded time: {"hour": 11, "minute": 22}
